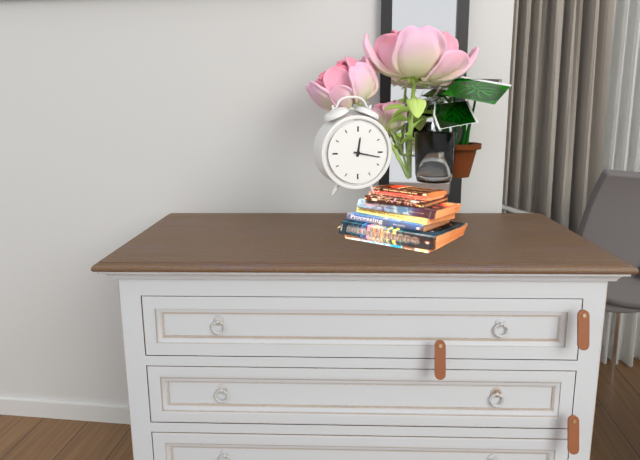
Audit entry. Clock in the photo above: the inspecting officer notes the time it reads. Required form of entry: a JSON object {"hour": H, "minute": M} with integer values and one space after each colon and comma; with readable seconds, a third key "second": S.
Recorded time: {"hour": 12, "minute": 17}
